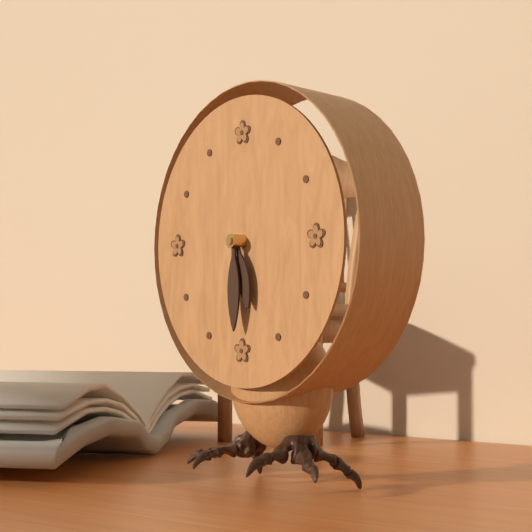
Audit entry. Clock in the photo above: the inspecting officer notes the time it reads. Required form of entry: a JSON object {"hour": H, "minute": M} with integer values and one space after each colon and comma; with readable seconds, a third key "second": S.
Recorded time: {"hour": 5, "minute": 30}
